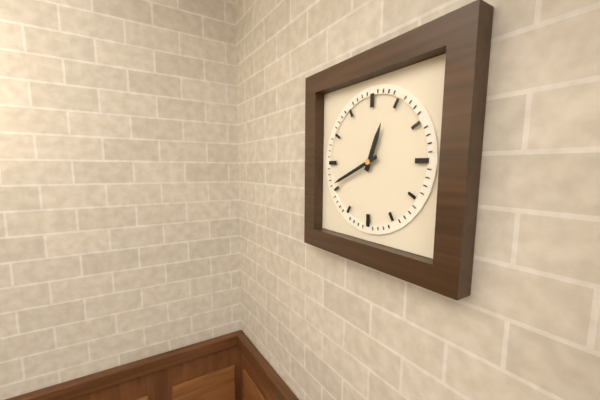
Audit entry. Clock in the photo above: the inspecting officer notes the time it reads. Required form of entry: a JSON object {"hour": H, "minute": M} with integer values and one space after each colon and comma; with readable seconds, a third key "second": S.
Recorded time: {"hour": 12, "minute": 41}
